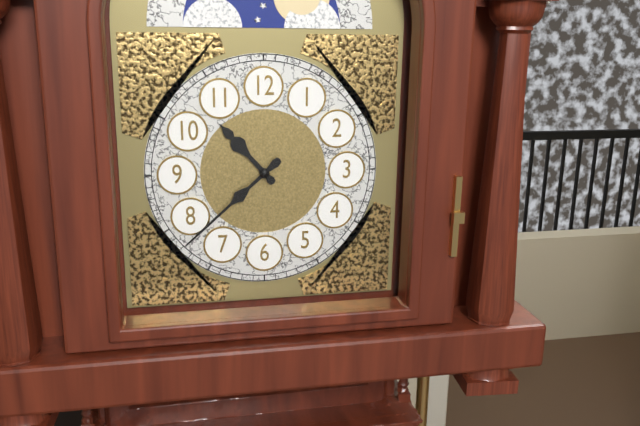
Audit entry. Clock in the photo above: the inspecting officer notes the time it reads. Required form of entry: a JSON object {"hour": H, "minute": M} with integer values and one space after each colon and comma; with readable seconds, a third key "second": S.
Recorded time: {"hour": 10, "minute": 38}
